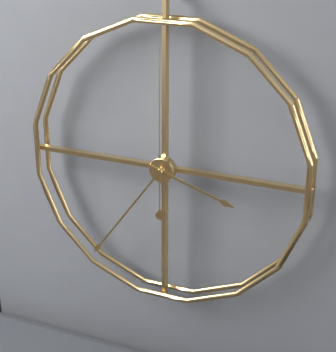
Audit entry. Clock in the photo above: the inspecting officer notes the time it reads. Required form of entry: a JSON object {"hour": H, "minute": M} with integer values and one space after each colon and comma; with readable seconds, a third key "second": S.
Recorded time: {"hour": 3, "minute": 36, "second": 0}
